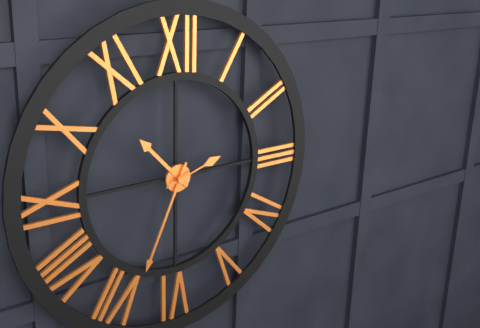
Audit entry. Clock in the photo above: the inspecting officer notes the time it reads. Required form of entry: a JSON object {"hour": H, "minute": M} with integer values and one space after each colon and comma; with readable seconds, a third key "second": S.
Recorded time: {"hour": 10, "minute": 34, "second": 12}
